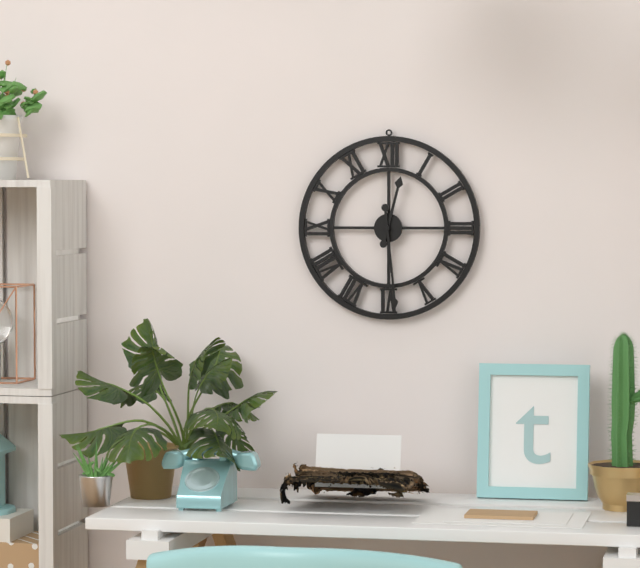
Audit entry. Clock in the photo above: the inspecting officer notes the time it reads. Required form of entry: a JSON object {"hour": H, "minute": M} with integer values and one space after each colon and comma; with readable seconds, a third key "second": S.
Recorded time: {"hour": 12, "minute": 29}
